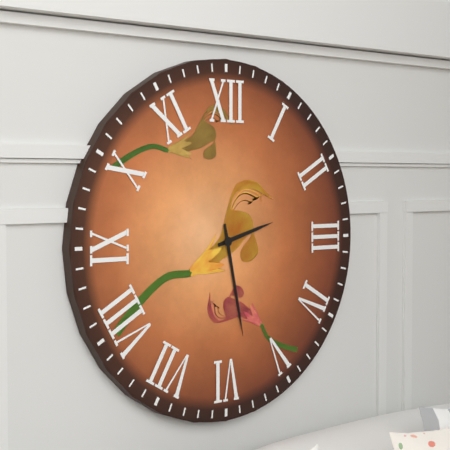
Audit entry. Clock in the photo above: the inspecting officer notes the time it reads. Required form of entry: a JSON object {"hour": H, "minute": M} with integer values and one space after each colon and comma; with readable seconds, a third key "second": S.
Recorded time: {"hour": 2, "minute": 28}
